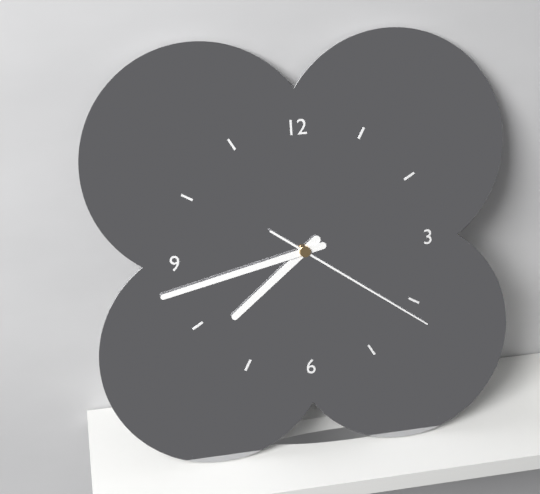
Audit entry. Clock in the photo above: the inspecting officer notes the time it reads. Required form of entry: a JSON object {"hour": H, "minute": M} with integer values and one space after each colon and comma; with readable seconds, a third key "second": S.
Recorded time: {"hour": 7, "minute": 43, "second": 21}
